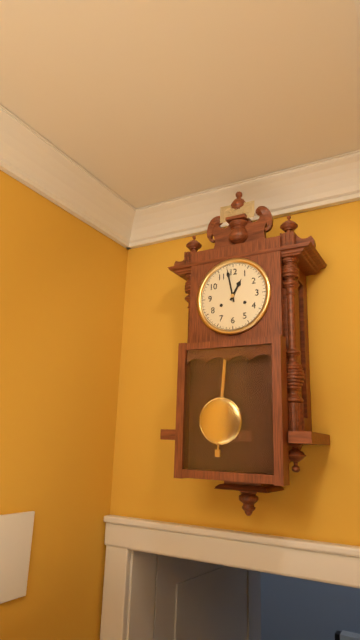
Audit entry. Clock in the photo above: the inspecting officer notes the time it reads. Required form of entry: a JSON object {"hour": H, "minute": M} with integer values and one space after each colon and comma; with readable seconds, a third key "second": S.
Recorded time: {"hour": 12, "minute": 58}
